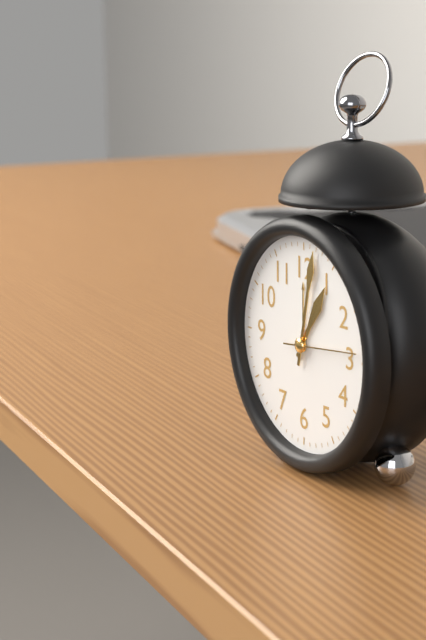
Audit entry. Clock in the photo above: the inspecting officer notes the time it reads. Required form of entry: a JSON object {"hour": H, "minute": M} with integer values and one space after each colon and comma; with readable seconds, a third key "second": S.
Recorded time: {"hour": 1, "minute": 2, "second": 14}
